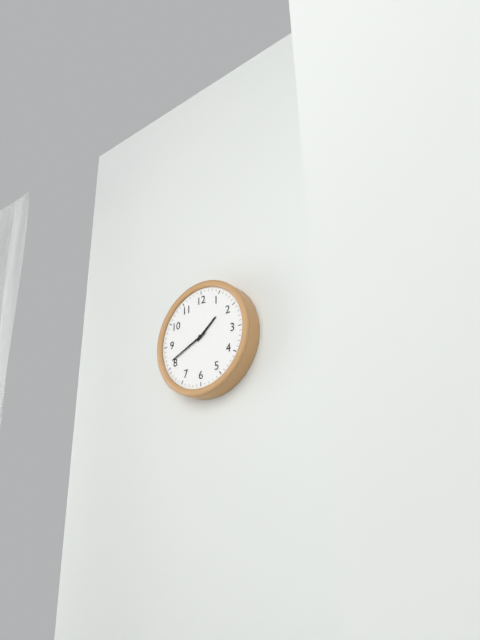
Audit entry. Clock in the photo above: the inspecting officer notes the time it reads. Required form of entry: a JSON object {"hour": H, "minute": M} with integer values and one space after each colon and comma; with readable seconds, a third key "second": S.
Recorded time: {"hour": 1, "minute": 41}
